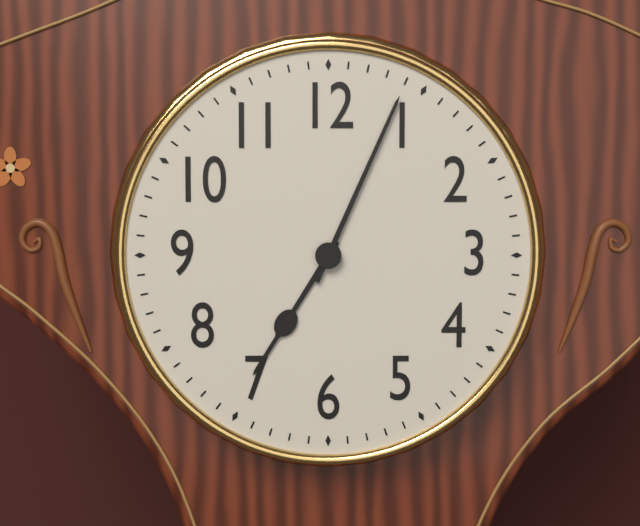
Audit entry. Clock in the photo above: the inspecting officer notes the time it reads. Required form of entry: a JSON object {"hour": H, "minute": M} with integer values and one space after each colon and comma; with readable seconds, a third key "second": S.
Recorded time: {"hour": 7, "minute": 4}
